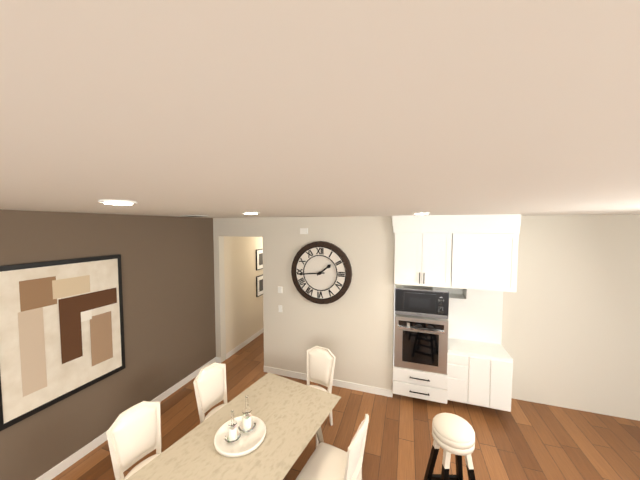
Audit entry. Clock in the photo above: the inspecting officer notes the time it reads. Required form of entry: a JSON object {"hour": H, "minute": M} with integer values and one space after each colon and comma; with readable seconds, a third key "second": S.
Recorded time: {"hour": 1, "minute": 44}
